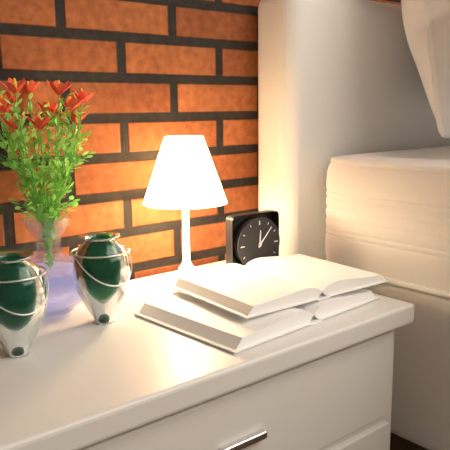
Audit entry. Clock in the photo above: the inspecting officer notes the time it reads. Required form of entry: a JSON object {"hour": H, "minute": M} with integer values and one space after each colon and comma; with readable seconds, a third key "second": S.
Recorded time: {"hour": 12, "minute": 7}
